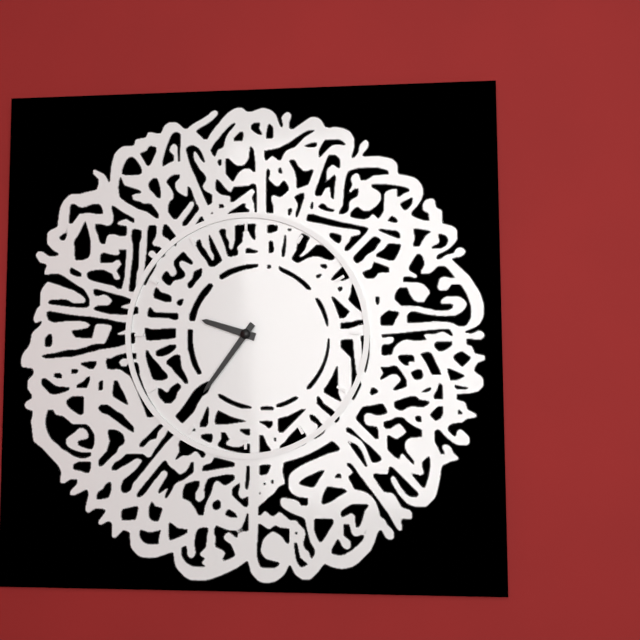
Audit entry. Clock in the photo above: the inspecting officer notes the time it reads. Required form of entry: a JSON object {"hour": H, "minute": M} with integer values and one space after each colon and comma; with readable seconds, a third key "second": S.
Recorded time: {"hour": 9, "minute": 36}
